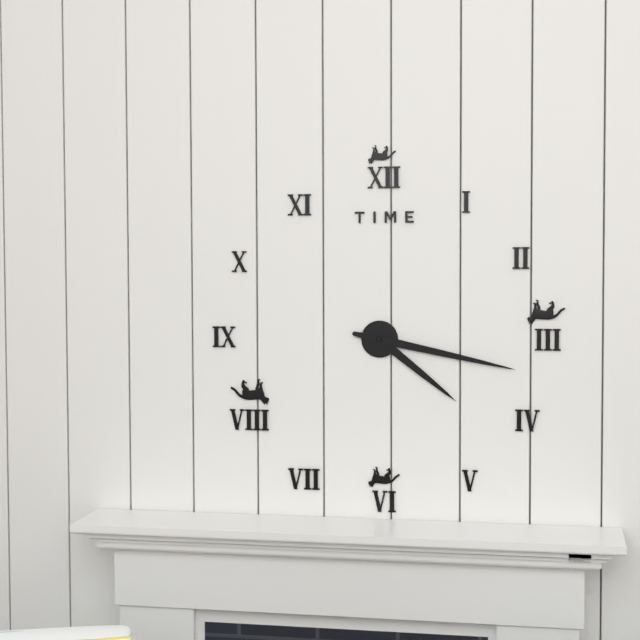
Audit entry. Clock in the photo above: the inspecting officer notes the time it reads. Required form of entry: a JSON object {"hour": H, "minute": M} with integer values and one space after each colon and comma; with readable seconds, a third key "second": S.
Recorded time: {"hour": 4, "minute": 17}
